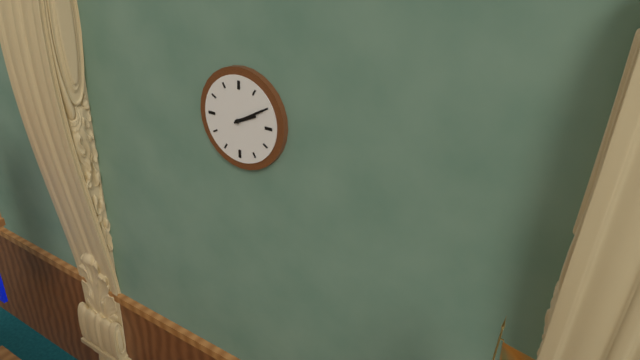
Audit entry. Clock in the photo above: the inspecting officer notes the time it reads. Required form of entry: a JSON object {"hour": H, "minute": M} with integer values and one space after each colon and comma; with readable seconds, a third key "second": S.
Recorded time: {"hour": 2, "minute": 10}
